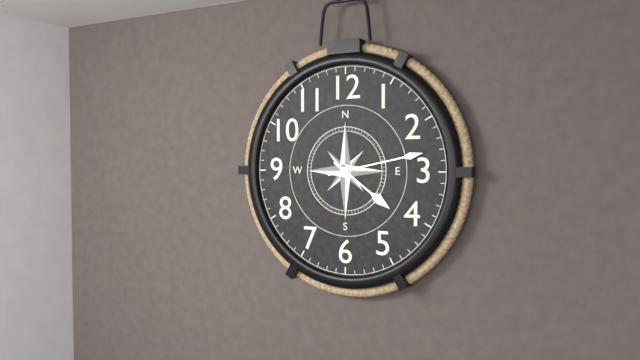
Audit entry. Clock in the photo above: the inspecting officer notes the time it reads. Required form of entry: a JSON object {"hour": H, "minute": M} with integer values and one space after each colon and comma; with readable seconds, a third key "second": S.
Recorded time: {"hour": 4, "minute": 13}
